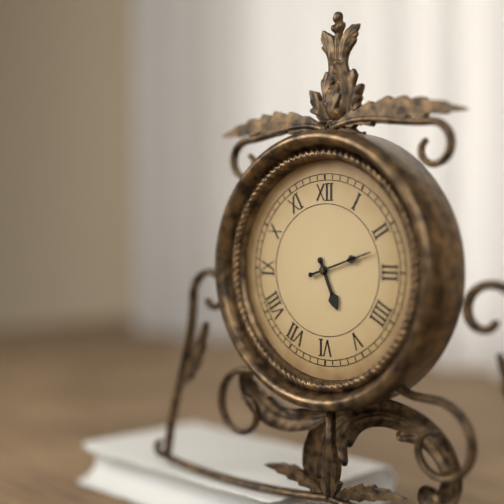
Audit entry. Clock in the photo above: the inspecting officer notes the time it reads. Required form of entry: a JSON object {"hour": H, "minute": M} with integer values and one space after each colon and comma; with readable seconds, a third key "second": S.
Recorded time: {"hour": 5, "minute": 12}
